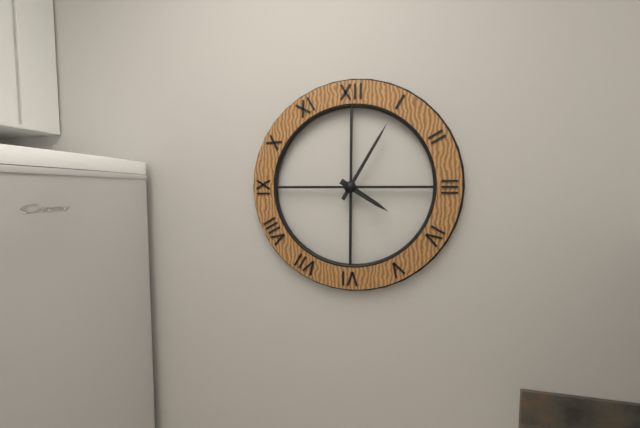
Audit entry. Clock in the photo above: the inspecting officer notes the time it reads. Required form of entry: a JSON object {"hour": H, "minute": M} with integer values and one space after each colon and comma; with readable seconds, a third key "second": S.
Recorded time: {"hour": 4, "minute": 5}
